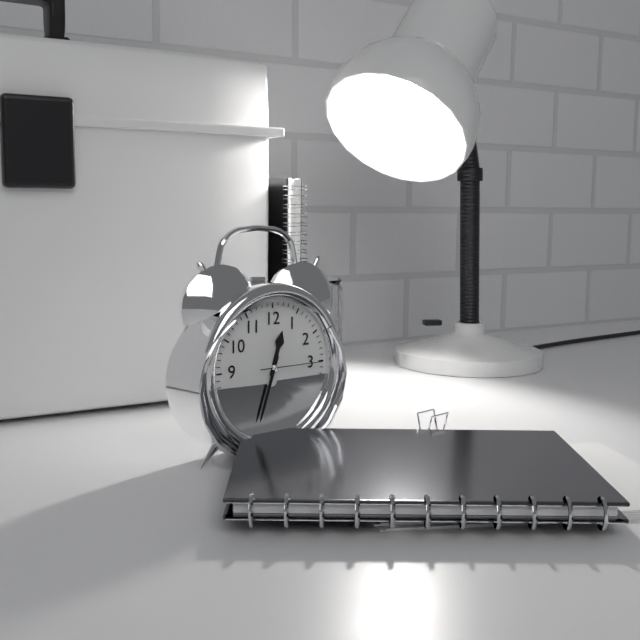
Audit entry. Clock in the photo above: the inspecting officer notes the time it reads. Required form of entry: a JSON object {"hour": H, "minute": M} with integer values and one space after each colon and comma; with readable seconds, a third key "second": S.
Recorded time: {"hour": 12, "minute": 33, "second": 15}
